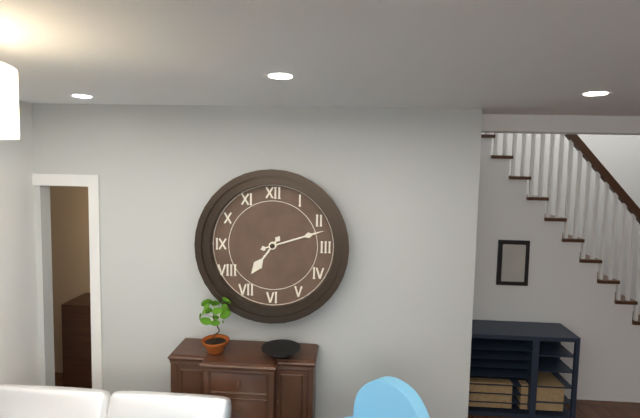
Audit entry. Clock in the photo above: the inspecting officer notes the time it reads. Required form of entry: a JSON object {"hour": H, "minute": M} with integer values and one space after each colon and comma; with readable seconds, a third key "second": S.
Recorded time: {"hour": 7, "minute": 12}
